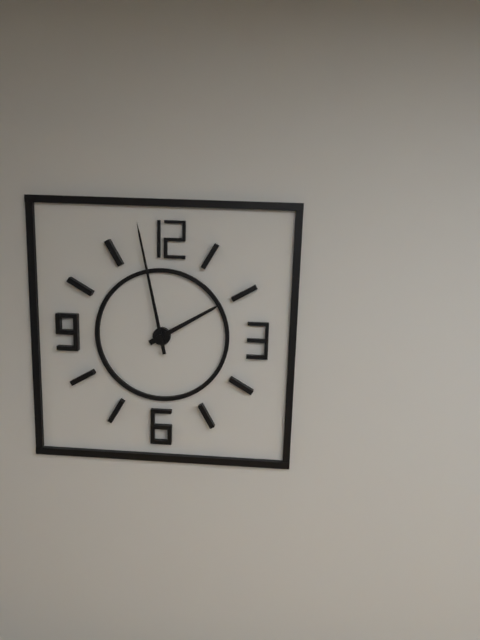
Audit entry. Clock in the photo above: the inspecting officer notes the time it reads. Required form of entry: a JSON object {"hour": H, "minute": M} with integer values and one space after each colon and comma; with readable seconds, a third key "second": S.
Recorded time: {"hour": 1, "minute": 58}
